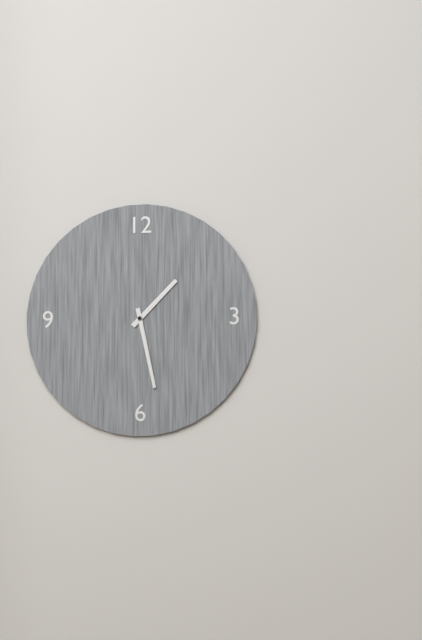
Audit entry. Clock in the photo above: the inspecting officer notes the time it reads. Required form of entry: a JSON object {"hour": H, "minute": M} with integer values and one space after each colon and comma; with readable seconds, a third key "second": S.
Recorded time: {"hour": 1, "minute": 28}
